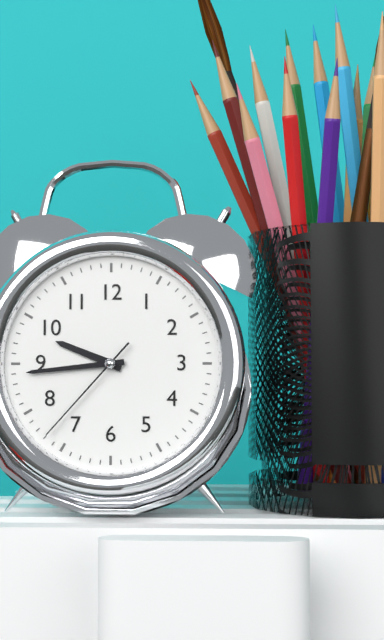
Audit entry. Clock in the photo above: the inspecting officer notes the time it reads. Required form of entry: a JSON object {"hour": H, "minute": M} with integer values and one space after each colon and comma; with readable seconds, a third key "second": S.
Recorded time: {"hour": 9, "minute": 44, "second": 37}
